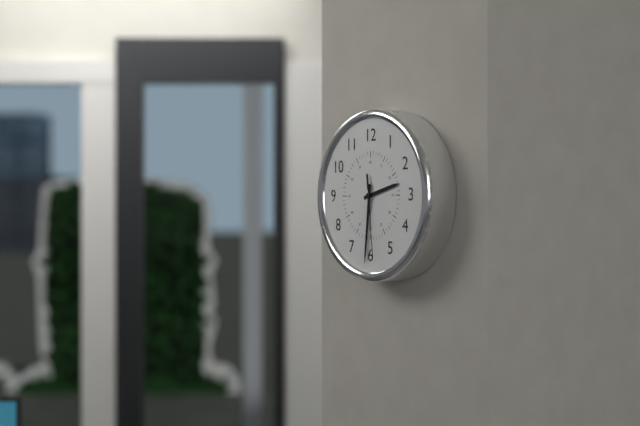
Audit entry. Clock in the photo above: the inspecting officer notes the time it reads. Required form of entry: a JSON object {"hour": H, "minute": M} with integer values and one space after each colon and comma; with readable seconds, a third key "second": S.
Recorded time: {"hour": 2, "minute": 31, "second": 29}
